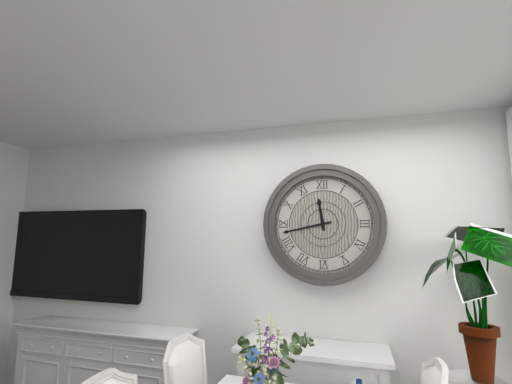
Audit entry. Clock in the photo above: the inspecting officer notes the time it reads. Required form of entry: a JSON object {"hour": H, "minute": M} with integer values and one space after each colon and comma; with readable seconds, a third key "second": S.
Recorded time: {"hour": 11, "minute": 43}
